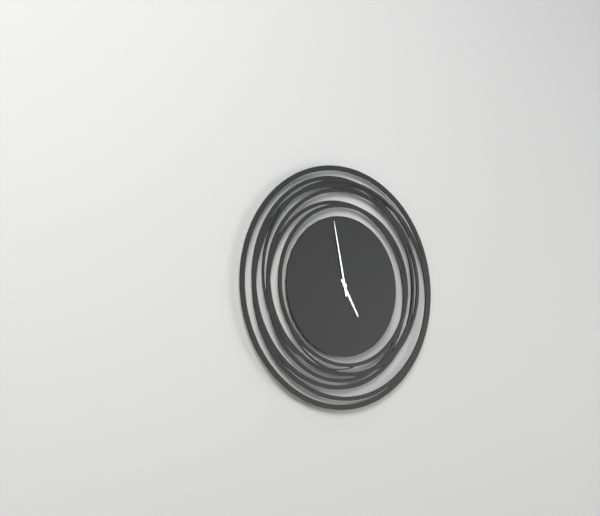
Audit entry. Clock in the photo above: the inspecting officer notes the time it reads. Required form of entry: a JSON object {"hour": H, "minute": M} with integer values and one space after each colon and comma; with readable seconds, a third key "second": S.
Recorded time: {"hour": 4, "minute": 58}
